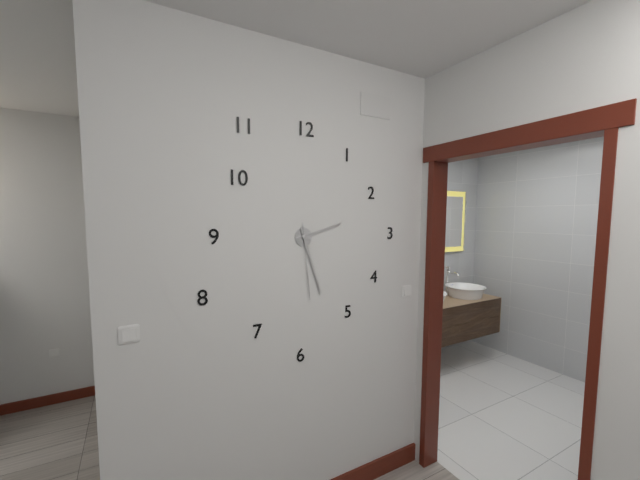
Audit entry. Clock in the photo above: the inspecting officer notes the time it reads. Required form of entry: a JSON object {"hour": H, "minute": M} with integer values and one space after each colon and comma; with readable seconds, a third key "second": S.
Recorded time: {"hour": 2, "minute": 27, "second": 29}
